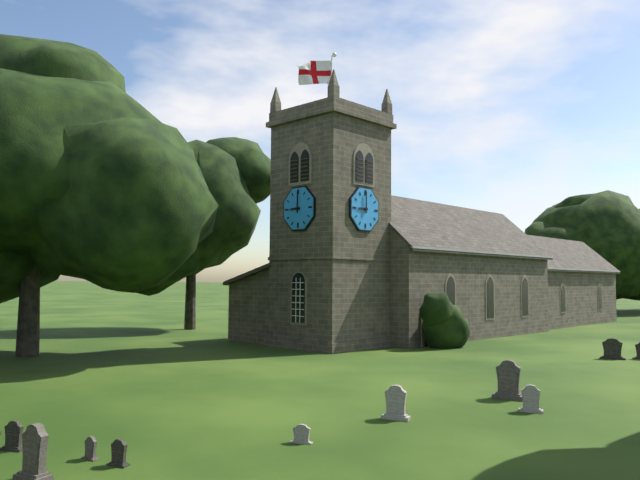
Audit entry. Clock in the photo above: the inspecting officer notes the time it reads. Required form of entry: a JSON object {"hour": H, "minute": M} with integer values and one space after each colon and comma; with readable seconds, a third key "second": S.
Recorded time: {"hour": 9, "minute": 0}
